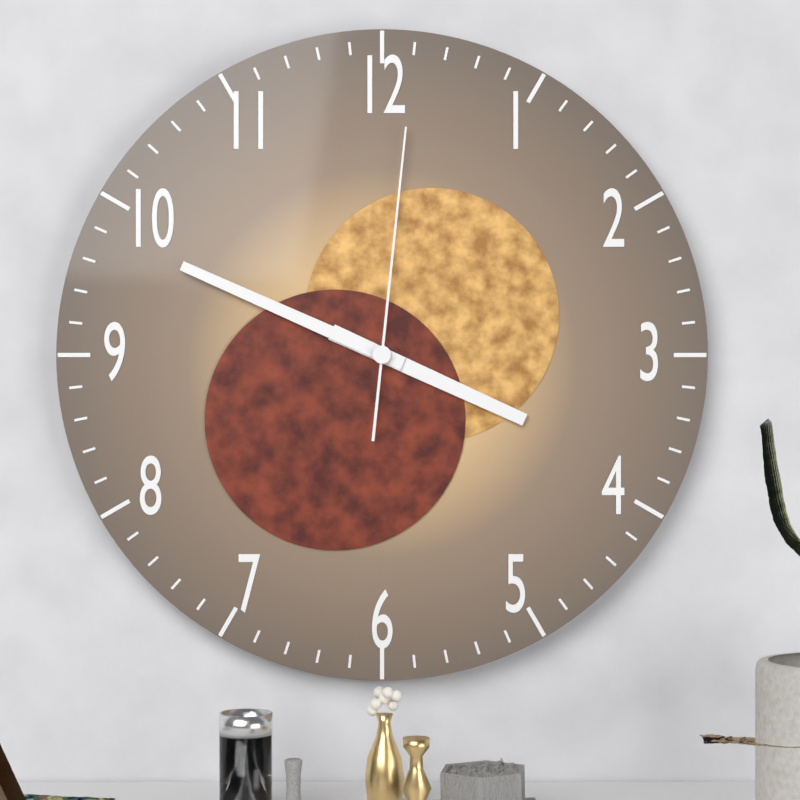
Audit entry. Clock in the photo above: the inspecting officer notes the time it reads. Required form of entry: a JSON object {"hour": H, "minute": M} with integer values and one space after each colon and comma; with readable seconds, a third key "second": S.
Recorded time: {"hour": 3, "minute": 49, "second": 1}
